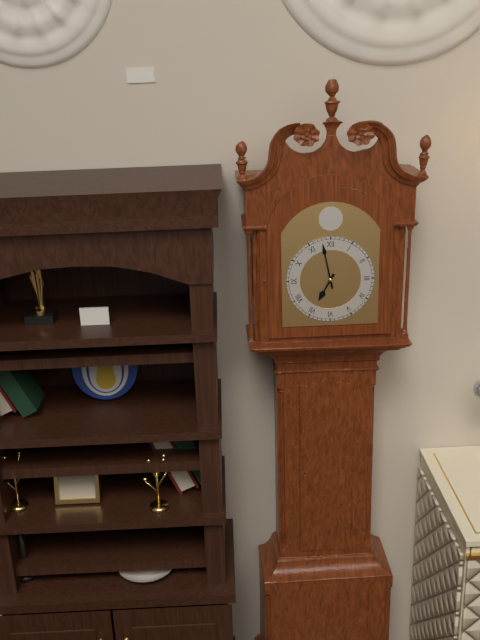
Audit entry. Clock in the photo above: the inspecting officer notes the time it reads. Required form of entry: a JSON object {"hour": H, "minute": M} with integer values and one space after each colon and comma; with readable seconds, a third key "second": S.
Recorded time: {"hour": 6, "minute": 58}
